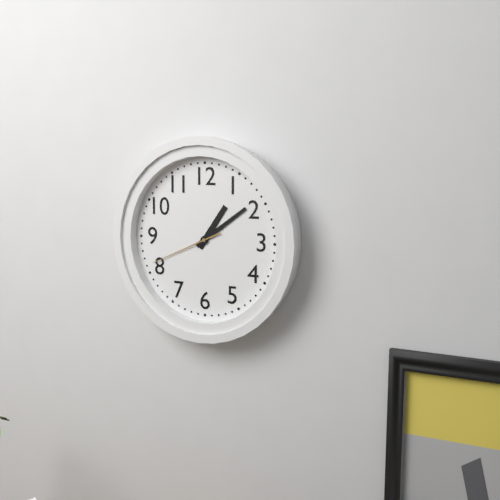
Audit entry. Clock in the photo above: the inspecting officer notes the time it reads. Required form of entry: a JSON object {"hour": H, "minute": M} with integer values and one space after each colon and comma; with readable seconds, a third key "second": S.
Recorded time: {"hour": 1, "minute": 9, "second": 41}
